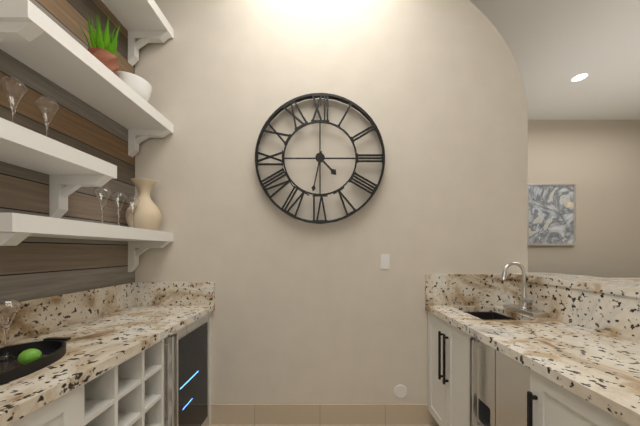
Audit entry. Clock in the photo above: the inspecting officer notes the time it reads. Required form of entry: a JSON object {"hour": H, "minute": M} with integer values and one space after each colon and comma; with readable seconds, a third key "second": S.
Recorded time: {"hour": 4, "minute": 32}
